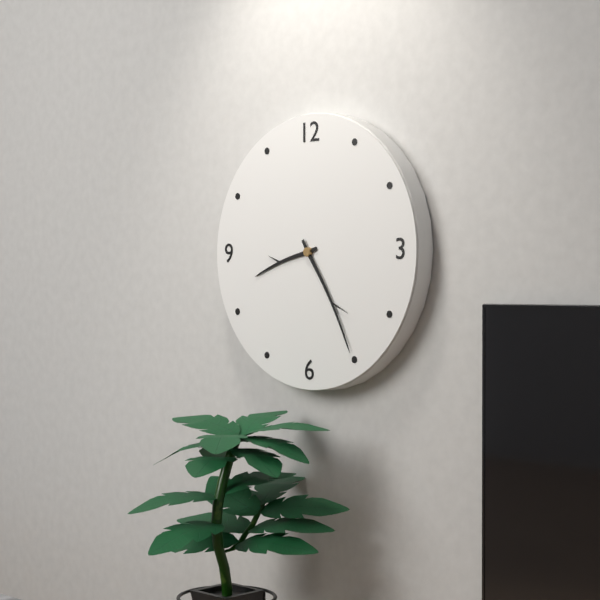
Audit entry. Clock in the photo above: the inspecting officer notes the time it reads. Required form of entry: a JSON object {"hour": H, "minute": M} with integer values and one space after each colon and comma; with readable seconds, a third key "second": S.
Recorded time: {"hour": 8, "minute": 25}
